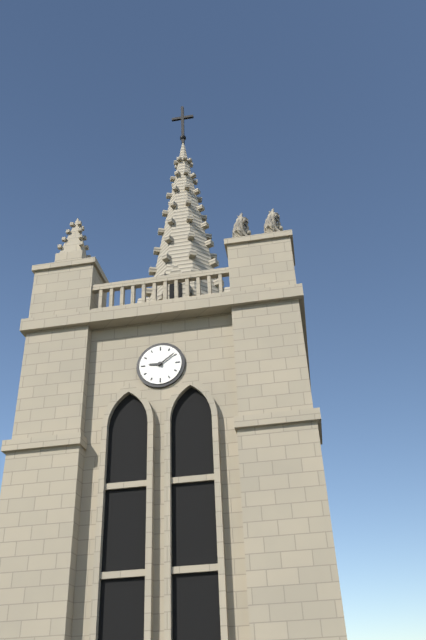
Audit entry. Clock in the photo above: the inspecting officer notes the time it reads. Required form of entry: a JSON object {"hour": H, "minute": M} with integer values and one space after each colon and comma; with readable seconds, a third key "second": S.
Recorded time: {"hour": 9, "minute": 9}
